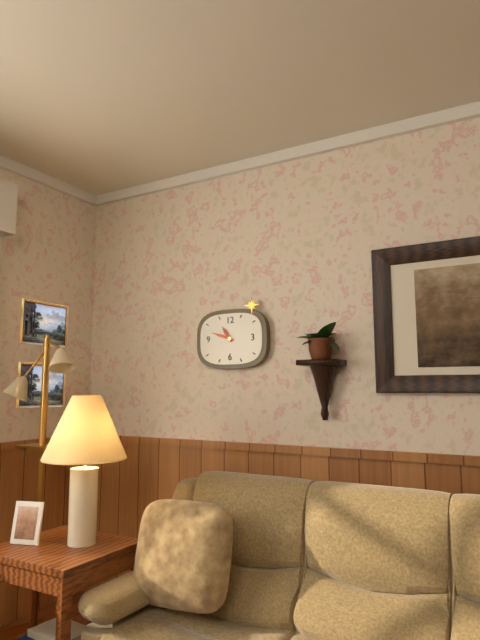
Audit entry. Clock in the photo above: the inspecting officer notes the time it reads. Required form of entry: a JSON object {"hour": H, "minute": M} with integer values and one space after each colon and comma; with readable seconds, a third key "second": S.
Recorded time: {"hour": 10, "minute": 48}
